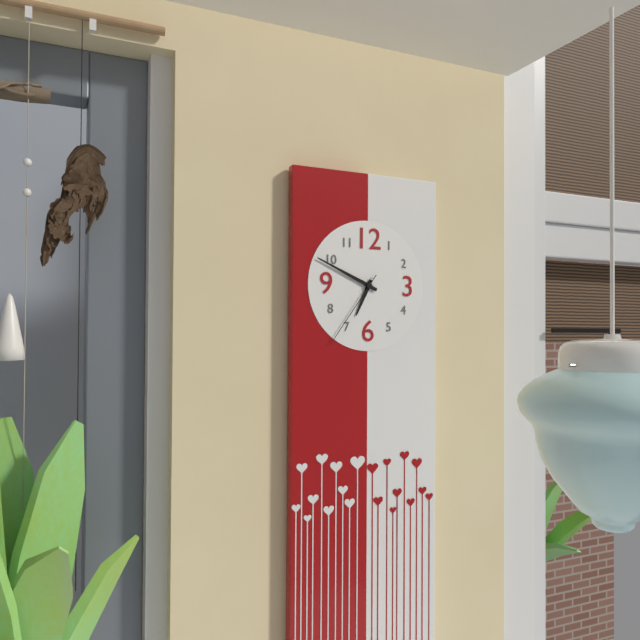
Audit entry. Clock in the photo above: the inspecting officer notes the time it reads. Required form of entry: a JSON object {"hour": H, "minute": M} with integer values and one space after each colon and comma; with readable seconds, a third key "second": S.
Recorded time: {"hour": 6, "minute": 49, "second": 36}
